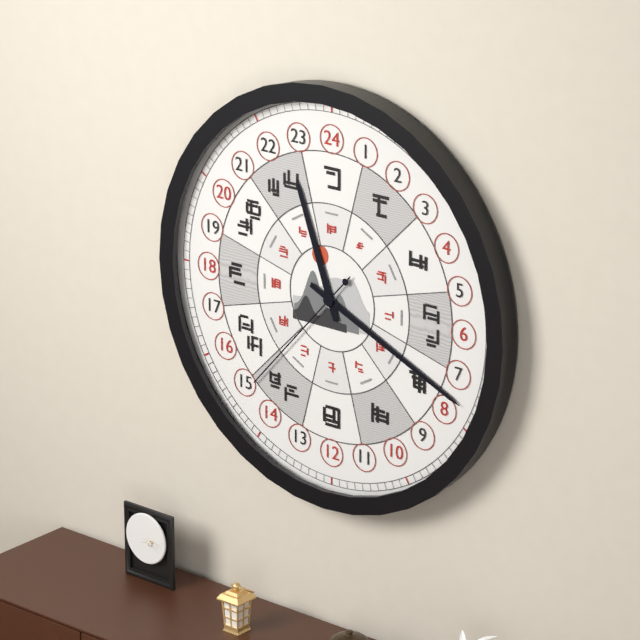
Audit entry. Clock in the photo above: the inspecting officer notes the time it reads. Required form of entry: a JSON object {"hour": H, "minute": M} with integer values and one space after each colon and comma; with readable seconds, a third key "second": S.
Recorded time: {"hour": 11, "minute": 19, "second": 37}
